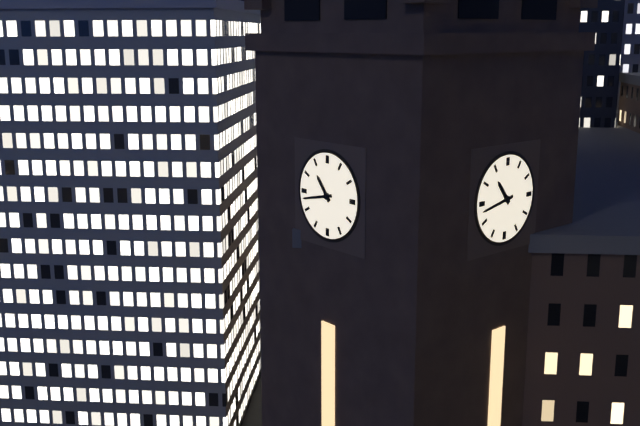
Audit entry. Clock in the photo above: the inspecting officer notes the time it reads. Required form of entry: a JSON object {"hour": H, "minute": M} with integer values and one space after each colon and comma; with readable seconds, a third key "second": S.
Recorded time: {"hour": 10, "minute": 43}
